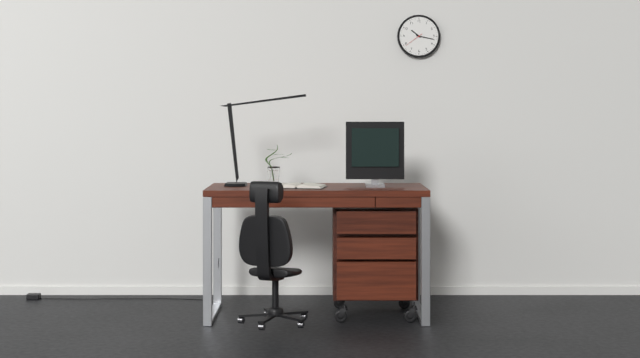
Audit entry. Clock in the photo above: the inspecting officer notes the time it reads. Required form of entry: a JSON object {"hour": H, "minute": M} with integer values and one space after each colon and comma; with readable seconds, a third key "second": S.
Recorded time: {"hour": 10, "minute": 17}
